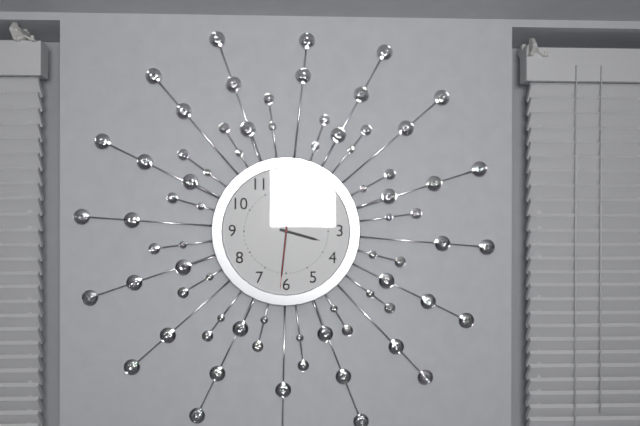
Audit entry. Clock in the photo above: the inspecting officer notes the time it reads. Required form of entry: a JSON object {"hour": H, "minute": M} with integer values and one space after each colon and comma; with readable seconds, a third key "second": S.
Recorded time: {"hour": 3, "minute": 31, "second": 31}
